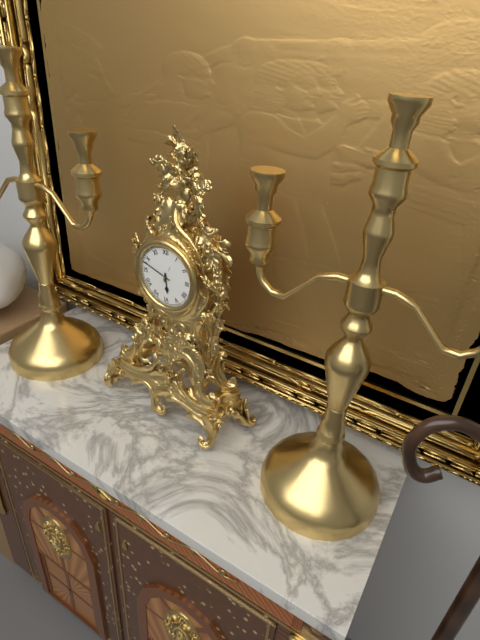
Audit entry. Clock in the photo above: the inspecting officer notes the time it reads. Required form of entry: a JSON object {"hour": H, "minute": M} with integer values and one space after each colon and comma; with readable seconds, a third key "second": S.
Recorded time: {"hour": 5, "minute": 48}
